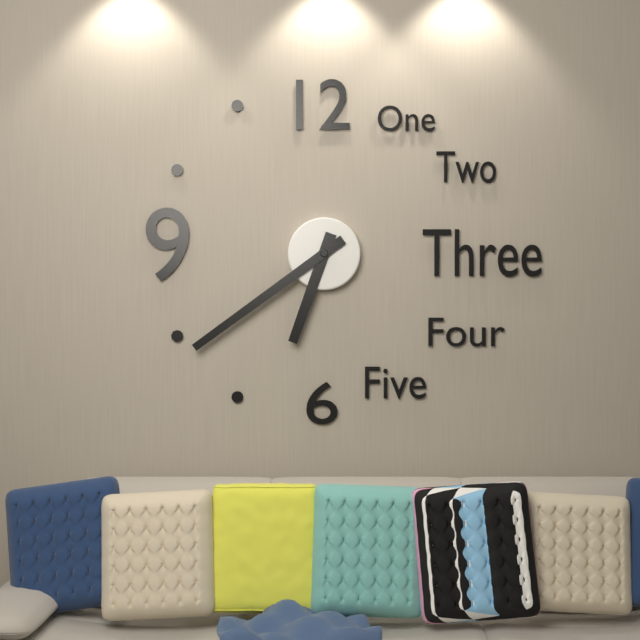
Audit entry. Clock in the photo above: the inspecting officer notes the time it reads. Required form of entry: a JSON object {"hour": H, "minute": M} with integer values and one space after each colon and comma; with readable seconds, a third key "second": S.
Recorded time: {"hour": 6, "minute": 39}
